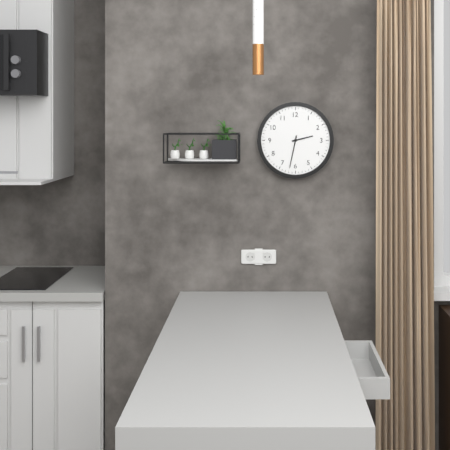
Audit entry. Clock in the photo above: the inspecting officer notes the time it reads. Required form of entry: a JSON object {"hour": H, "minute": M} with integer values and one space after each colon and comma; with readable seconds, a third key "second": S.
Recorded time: {"hour": 2, "minute": 32}
